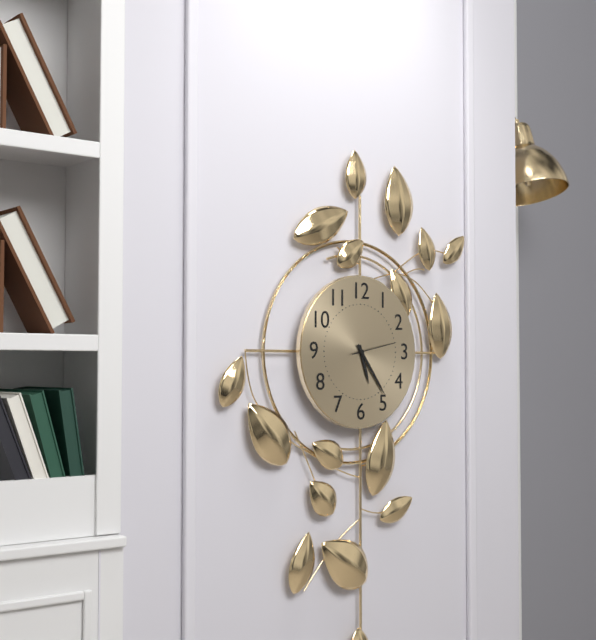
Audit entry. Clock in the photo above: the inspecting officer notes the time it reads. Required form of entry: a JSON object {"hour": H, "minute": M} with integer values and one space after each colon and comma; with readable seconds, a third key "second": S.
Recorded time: {"hour": 5, "minute": 24}
